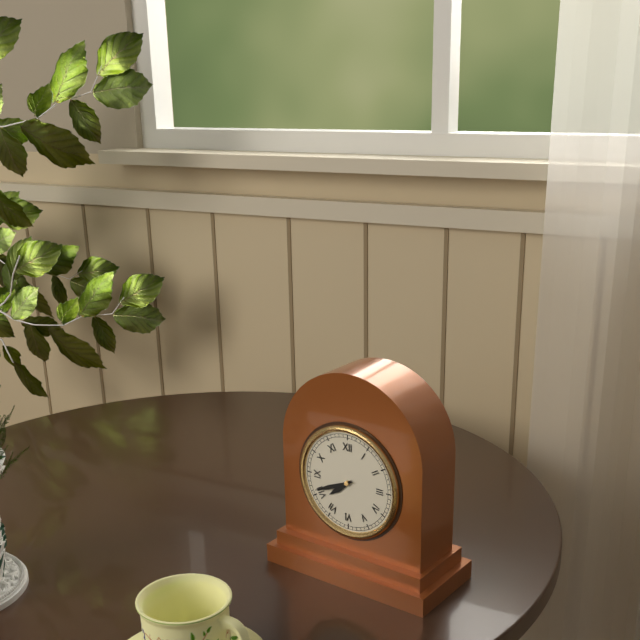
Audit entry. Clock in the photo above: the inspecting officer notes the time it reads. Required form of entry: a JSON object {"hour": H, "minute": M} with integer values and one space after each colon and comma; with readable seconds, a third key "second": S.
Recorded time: {"hour": 7, "minute": 41}
